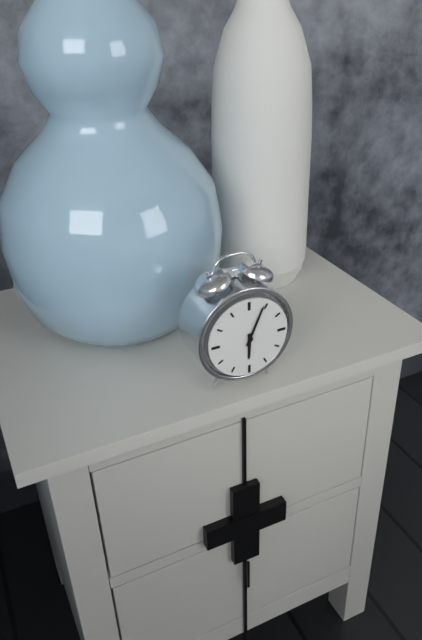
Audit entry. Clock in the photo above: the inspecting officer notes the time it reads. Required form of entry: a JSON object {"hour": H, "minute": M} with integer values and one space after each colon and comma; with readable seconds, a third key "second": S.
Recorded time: {"hour": 6, "minute": 4}
